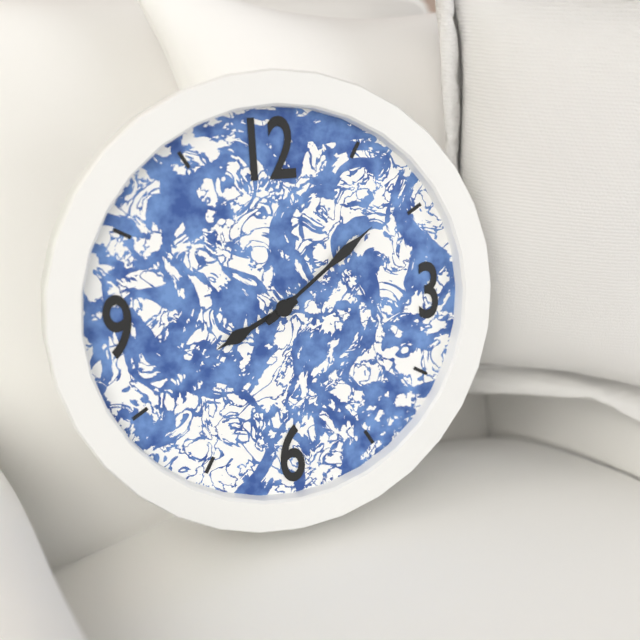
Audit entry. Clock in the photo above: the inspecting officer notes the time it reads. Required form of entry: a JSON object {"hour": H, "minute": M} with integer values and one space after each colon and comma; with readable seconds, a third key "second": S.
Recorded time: {"hour": 8, "minute": 9}
